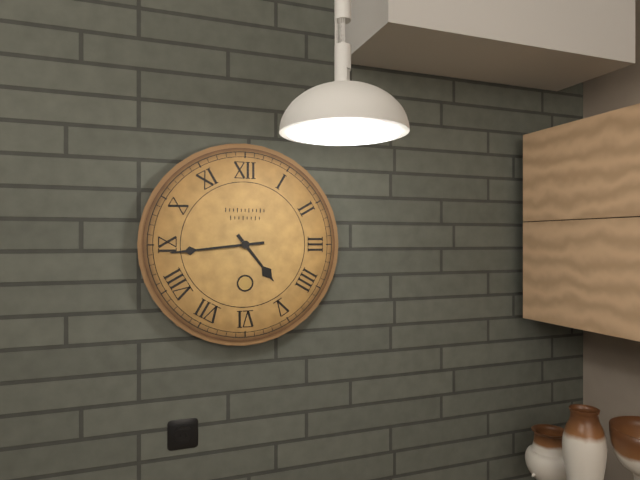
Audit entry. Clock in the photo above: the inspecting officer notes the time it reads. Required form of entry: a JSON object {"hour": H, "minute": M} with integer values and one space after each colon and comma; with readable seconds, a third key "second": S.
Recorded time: {"hour": 4, "minute": 44}
